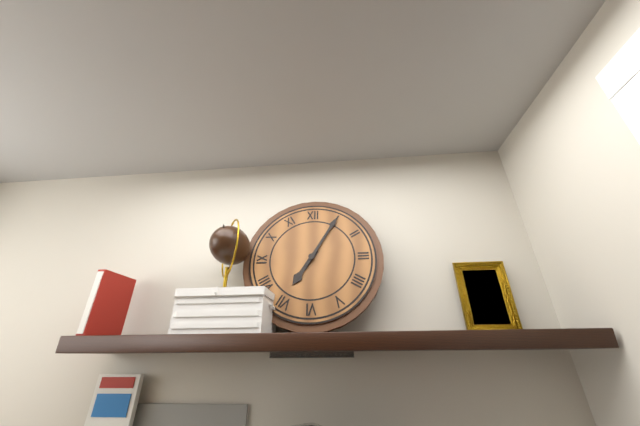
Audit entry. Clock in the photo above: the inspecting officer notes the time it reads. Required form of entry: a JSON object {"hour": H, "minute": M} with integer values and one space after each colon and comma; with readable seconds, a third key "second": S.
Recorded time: {"hour": 7, "minute": 5}
